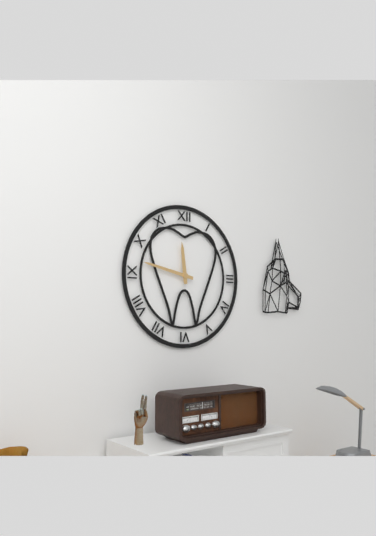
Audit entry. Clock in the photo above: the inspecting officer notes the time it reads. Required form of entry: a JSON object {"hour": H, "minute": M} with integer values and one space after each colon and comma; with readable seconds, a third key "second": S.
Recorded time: {"hour": 11, "minute": 47}
